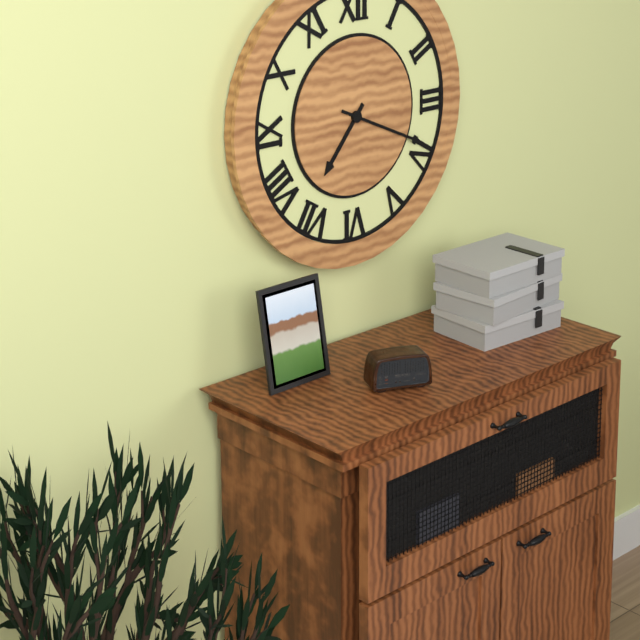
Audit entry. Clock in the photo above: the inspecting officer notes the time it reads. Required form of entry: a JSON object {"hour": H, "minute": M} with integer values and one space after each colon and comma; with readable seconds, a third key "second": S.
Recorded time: {"hour": 7, "minute": 19}
